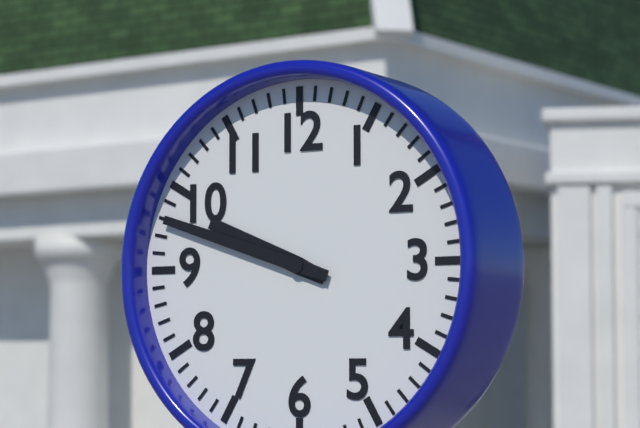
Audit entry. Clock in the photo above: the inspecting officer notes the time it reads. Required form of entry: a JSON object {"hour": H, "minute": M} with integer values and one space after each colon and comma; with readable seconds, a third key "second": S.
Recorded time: {"hour": 9, "minute": 48}
